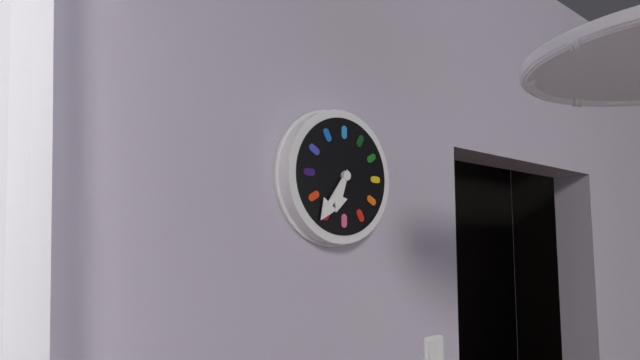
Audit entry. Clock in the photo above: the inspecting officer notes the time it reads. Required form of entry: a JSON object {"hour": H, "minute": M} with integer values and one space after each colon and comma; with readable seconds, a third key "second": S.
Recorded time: {"hour": 6, "minute": 36}
